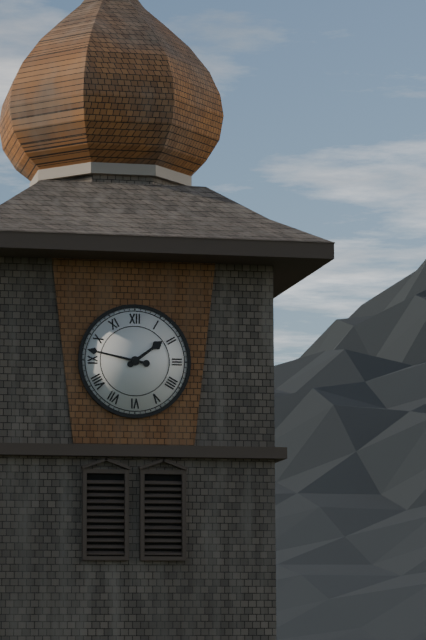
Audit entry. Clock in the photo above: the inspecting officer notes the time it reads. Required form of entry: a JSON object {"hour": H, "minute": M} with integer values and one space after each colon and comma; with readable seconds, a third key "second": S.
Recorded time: {"hour": 1, "minute": 47}
